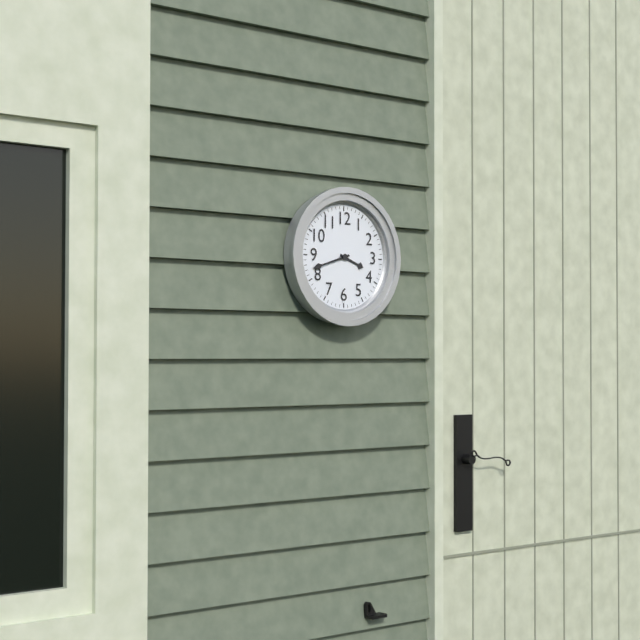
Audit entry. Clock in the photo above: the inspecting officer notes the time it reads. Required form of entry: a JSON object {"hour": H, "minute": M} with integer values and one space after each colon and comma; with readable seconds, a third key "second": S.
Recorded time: {"hour": 3, "minute": 42}
